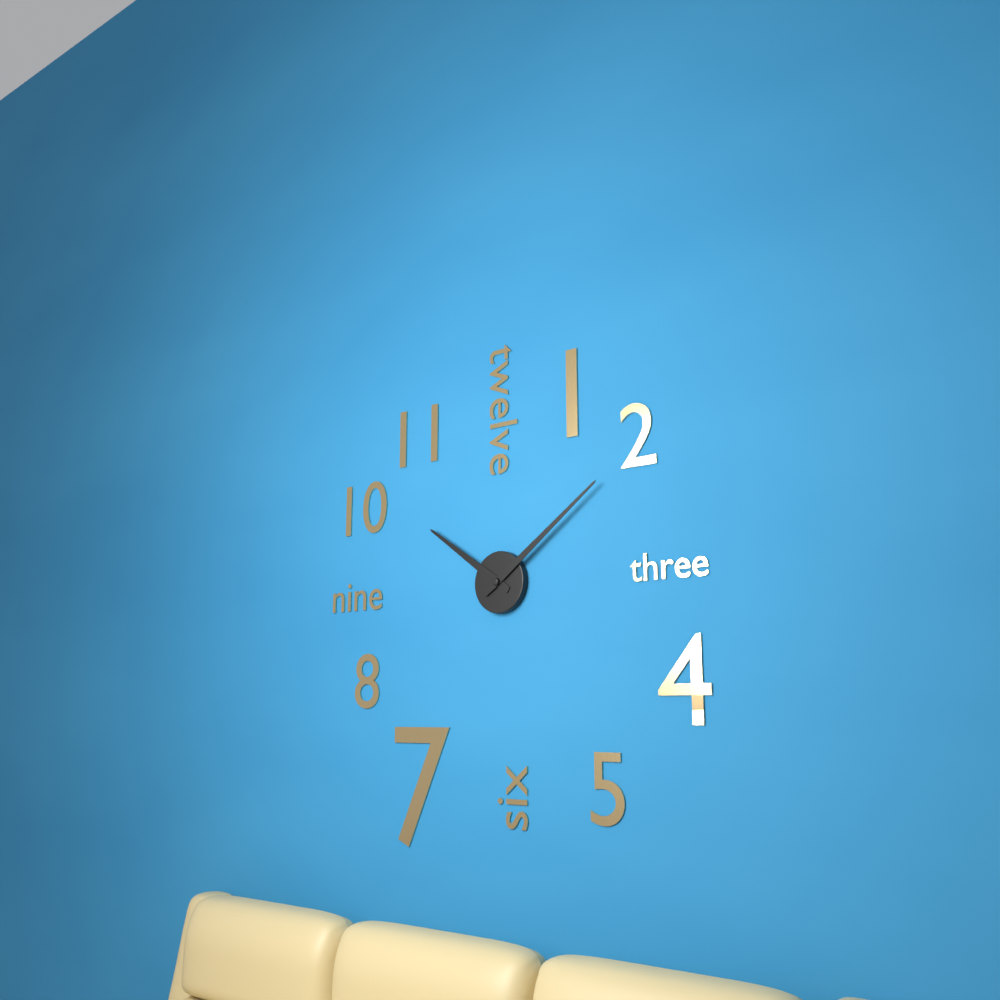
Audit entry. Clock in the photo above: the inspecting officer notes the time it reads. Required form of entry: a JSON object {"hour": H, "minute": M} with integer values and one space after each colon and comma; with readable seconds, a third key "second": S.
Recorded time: {"hour": 10, "minute": 9}
